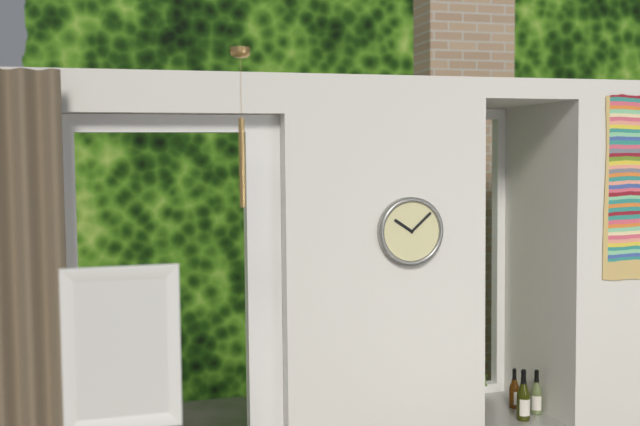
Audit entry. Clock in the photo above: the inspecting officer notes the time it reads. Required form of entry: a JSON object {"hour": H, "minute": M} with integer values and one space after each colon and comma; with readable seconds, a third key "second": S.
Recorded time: {"hour": 10, "minute": 8}
